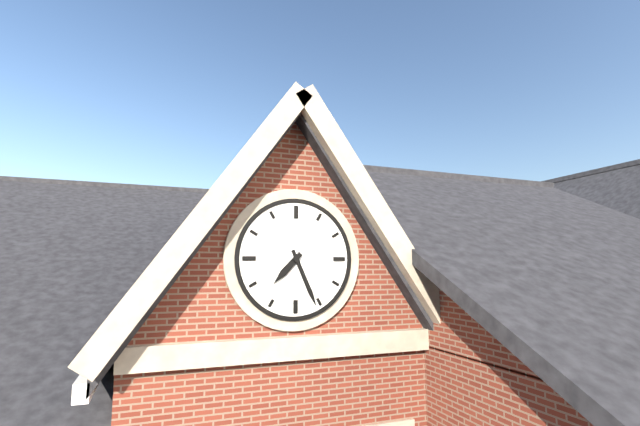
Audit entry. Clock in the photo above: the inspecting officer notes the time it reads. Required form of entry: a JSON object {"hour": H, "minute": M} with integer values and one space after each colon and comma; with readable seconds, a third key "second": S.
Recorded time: {"hour": 7, "minute": 26}
